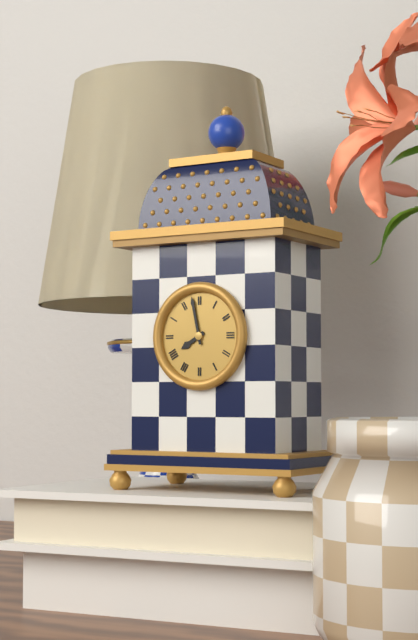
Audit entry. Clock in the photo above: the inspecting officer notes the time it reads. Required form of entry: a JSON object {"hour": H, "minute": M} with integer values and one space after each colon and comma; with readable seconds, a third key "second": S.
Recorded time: {"hour": 7, "minute": 58}
